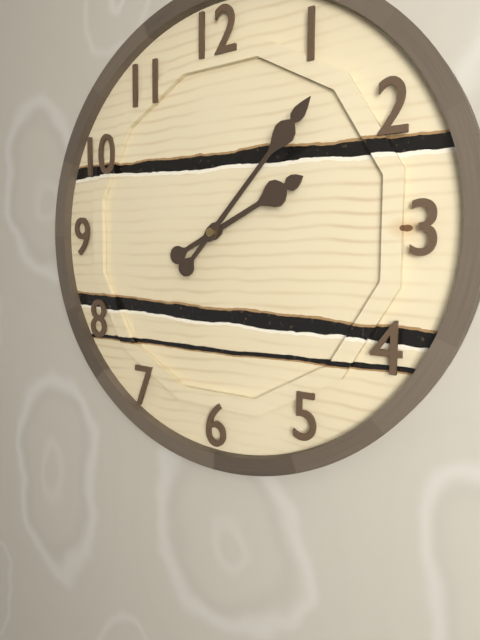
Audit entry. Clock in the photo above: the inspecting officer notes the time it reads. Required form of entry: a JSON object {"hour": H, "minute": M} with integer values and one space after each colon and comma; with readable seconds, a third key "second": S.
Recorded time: {"hour": 2, "minute": 7}
